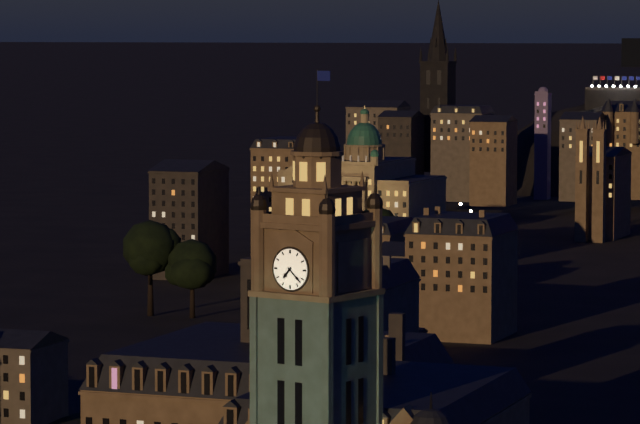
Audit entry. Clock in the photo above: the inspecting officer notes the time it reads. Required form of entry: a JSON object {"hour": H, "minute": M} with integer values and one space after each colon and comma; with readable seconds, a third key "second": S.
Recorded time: {"hour": 7, "minute": 22}
